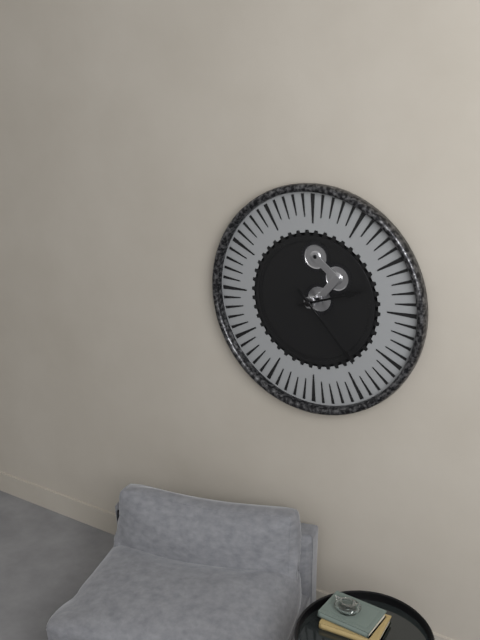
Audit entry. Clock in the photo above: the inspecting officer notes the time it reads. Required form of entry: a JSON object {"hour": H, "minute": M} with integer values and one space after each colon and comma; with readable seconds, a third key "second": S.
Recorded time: {"hour": 2, "minute": 23}
